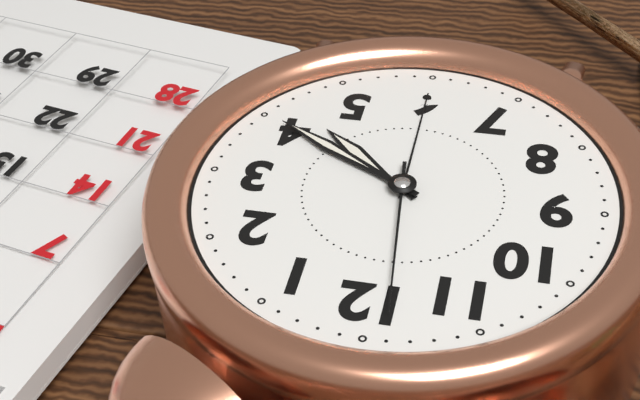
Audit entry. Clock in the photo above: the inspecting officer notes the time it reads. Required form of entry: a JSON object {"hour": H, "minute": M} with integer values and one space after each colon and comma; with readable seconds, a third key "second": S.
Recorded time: {"hour": 4, "minute": 20, "second": 59}
